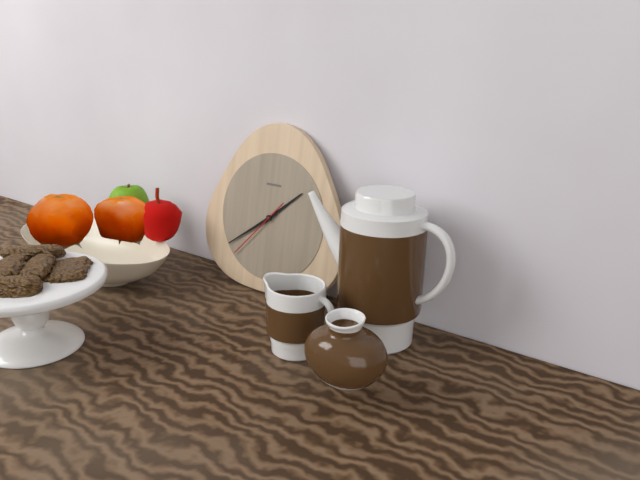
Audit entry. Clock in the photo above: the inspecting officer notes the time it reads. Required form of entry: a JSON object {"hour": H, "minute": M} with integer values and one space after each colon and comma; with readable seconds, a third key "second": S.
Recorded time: {"hour": 1, "minute": 39, "second": 37}
